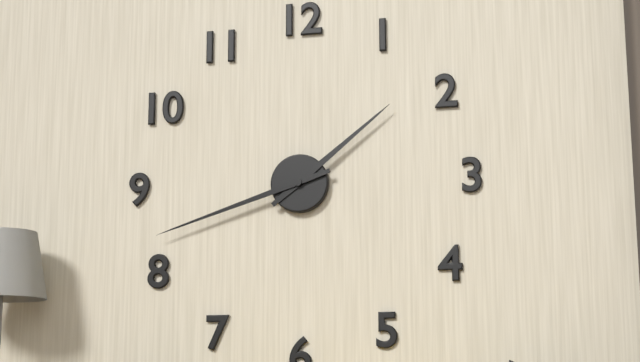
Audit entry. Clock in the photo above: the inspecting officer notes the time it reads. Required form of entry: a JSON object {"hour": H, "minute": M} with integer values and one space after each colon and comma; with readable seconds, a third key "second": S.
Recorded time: {"hour": 1, "minute": 42}
